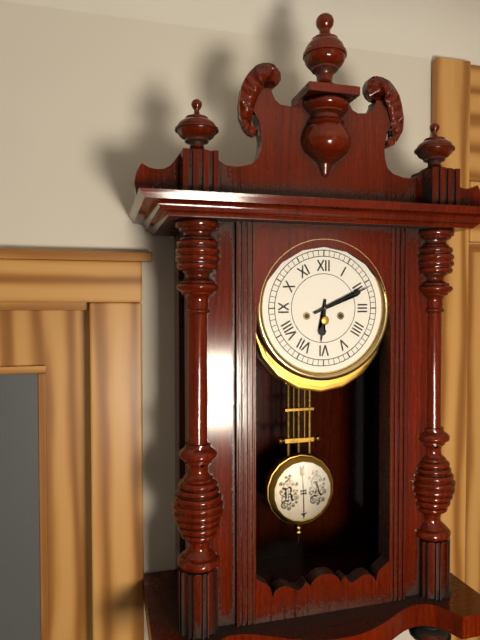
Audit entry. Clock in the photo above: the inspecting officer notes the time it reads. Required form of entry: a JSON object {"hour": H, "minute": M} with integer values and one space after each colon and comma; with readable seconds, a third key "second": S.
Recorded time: {"hour": 6, "minute": 11}
